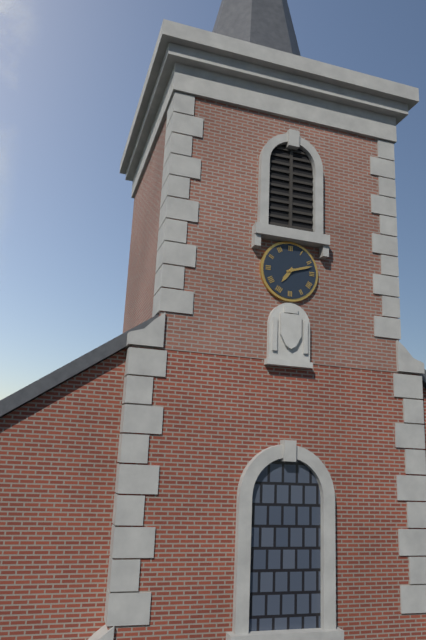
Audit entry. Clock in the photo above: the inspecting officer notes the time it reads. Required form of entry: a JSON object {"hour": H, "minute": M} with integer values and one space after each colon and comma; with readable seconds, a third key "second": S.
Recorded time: {"hour": 7, "minute": 12}
